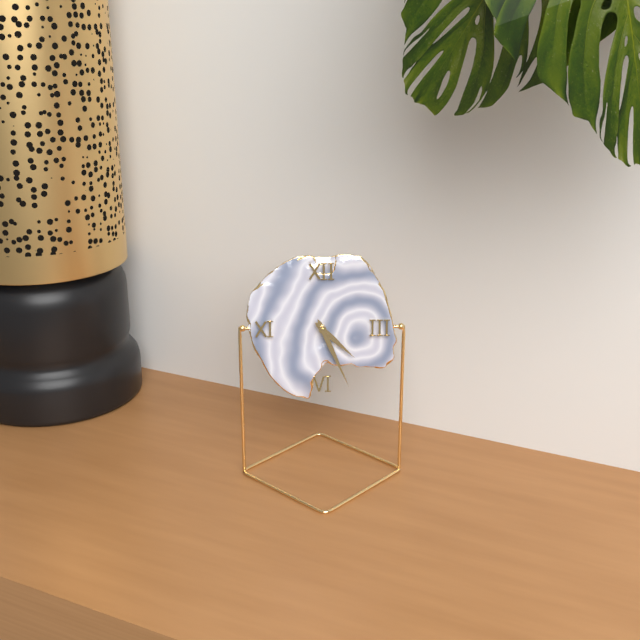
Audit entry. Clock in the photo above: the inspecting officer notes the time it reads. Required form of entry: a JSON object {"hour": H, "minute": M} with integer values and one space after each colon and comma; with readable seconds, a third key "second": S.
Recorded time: {"hour": 4, "minute": 26}
